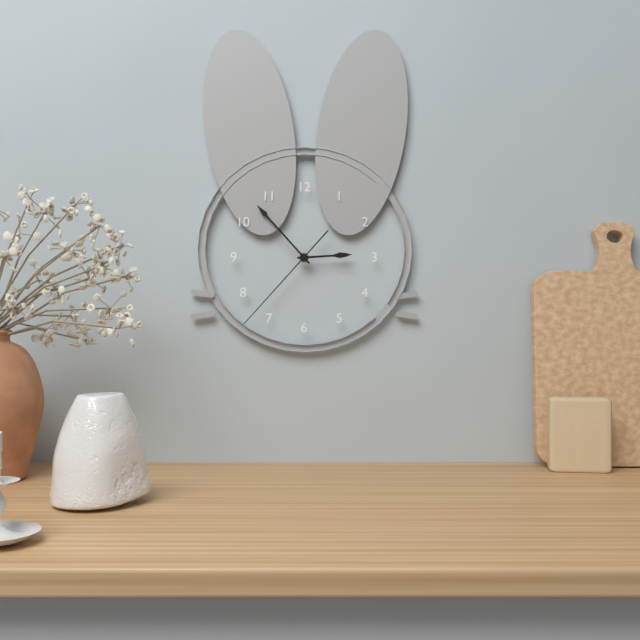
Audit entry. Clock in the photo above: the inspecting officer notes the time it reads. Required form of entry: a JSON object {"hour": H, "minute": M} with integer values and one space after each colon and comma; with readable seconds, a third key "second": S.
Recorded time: {"hour": 2, "minute": 53, "second": 37}
